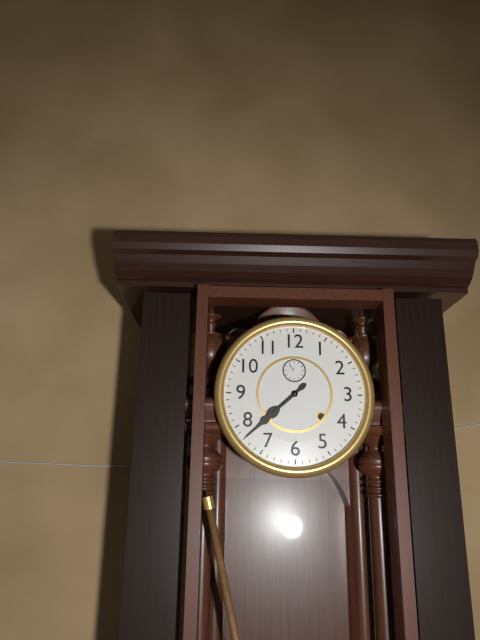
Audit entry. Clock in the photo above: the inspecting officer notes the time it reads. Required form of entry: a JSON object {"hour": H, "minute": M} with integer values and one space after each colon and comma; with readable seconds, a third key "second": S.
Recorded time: {"hour": 7, "minute": 38}
